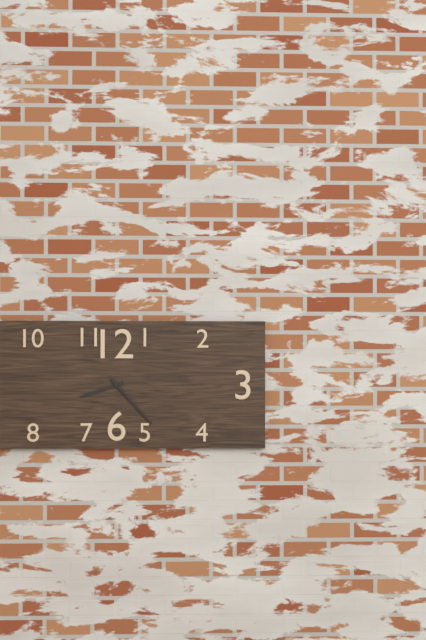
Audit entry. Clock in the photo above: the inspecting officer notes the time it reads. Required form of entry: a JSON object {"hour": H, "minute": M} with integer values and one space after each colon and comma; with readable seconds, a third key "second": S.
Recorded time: {"hour": 8, "minute": 23}
